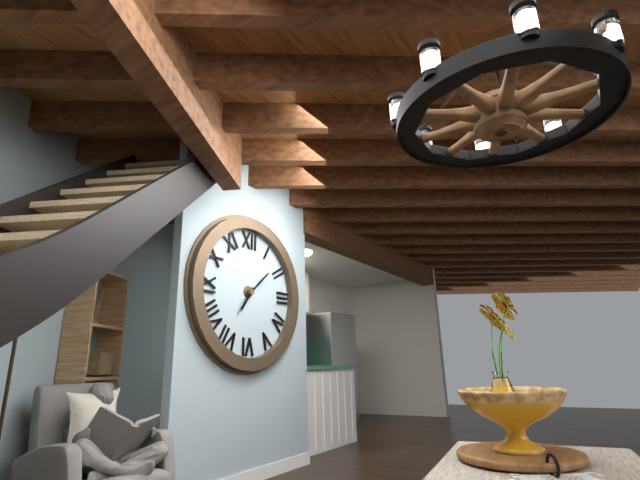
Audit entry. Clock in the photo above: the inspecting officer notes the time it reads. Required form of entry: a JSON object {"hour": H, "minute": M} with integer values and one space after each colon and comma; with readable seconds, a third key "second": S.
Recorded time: {"hour": 7, "minute": 8}
